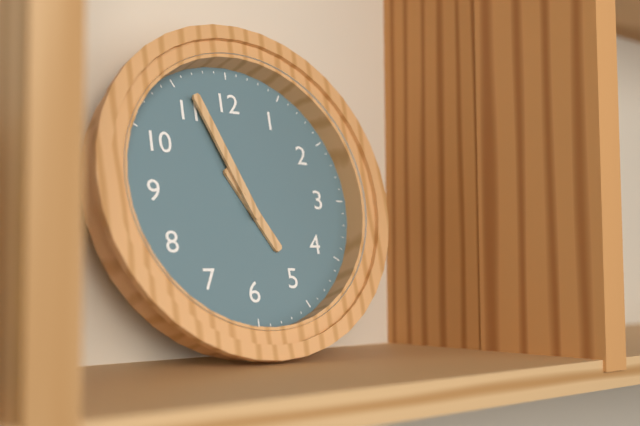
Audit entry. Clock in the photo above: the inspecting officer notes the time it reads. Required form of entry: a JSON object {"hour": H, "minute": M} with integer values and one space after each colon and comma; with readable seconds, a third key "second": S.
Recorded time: {"hour": 4, "minute": 56}
